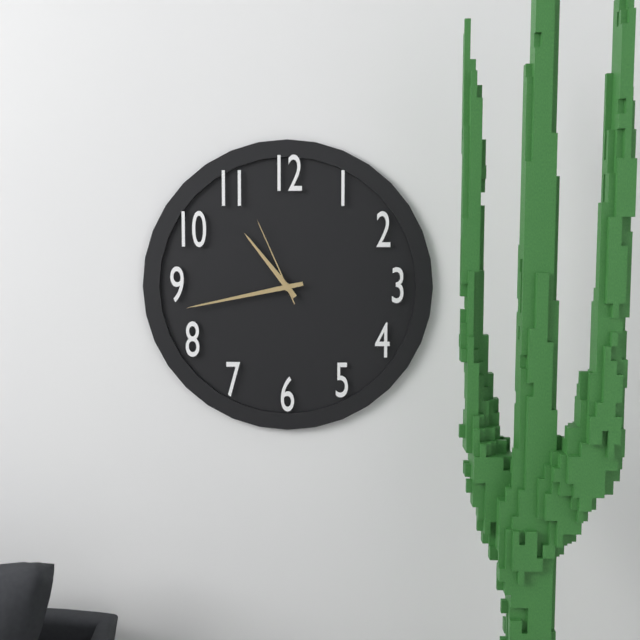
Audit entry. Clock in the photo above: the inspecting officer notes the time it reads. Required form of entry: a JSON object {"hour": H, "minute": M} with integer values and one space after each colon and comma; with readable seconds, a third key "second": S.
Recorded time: {"hour": 10, "minute": 43, "second": 56}
